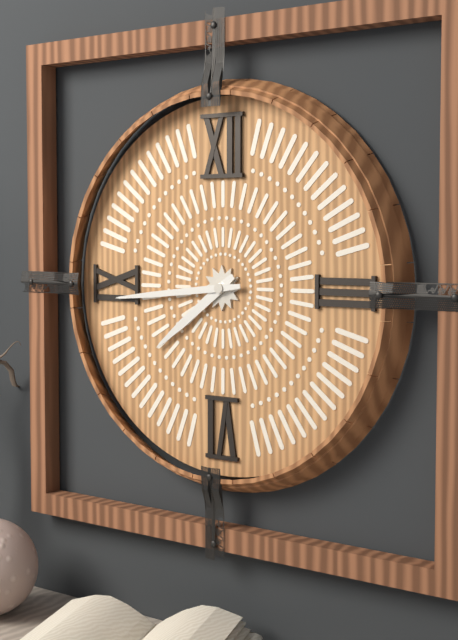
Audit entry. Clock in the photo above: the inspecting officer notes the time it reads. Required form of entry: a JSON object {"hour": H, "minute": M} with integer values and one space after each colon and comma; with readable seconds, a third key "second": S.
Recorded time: {"hour": 7, "minute": 44}
